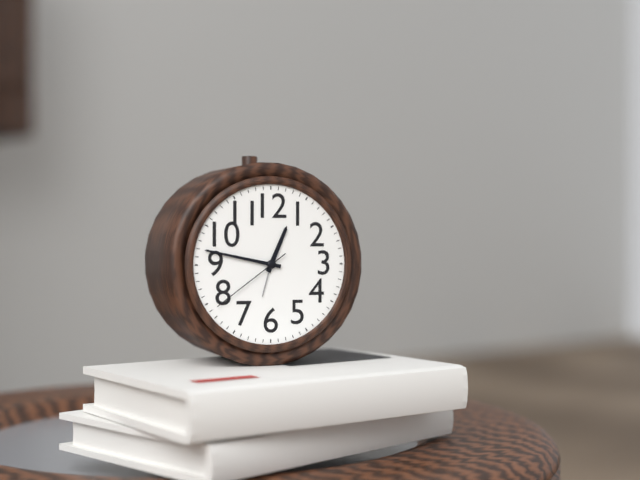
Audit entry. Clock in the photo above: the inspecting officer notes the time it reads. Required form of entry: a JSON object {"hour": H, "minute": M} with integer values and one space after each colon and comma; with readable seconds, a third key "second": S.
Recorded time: {"hour": 12, "minute": 47, "second": 39}
